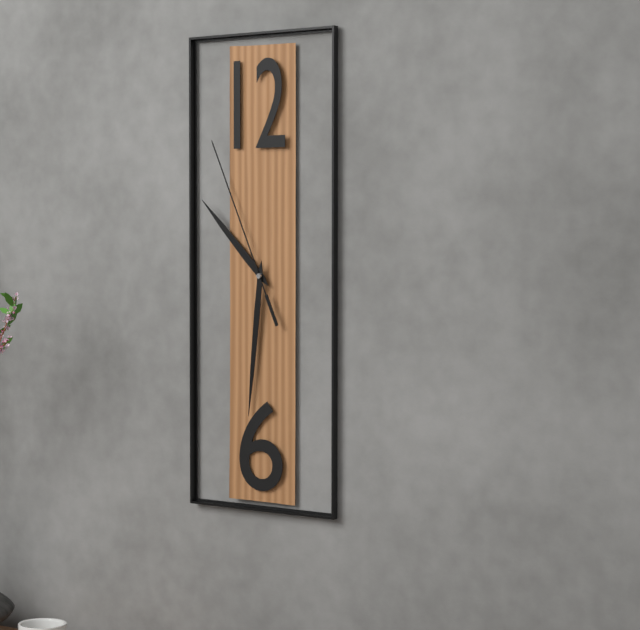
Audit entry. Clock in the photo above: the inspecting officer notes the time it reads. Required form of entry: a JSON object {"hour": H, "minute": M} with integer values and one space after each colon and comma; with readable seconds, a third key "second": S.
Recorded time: {"hour": 10, "minute": 31, "second": 56}
